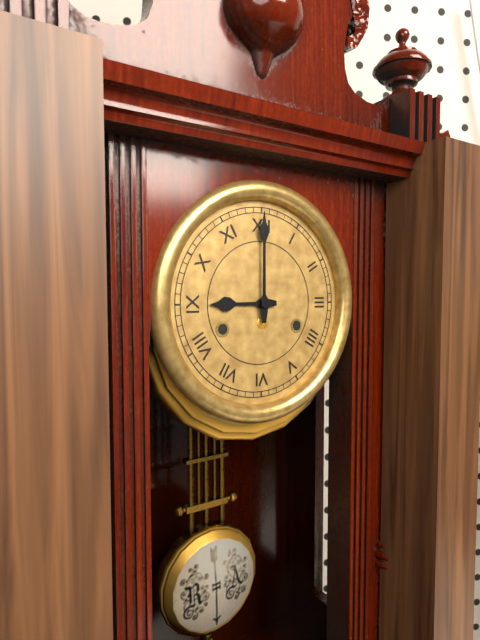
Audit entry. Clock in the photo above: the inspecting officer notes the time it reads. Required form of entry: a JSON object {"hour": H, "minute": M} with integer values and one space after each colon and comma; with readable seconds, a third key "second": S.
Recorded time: {"hour": 9, "minute": 0}
